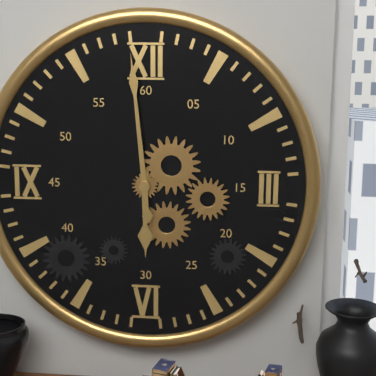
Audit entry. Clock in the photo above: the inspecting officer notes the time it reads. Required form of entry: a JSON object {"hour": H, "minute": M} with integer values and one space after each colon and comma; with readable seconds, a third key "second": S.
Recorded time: {"hour": 5, "minute": 59}
